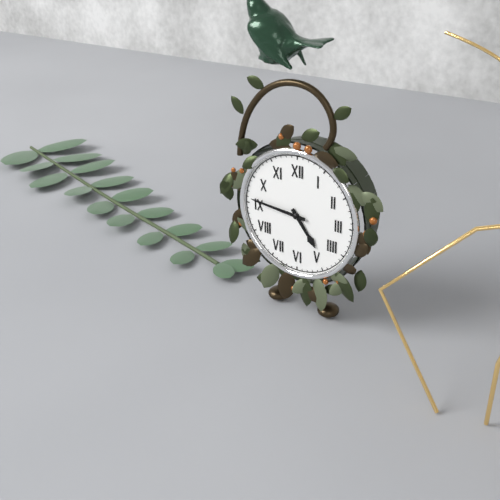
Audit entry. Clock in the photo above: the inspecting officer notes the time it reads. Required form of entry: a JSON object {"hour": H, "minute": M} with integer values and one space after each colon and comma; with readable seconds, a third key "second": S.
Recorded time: {"hour": 4, "minute": 46}
